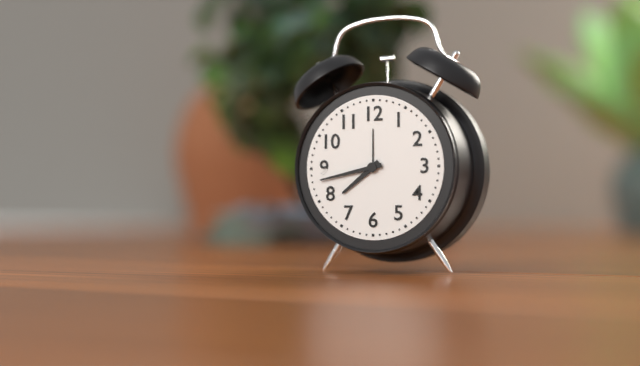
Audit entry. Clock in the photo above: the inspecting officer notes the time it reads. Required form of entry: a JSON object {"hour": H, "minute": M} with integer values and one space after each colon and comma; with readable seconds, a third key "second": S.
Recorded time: {"hour": 7, "minute": 43}
